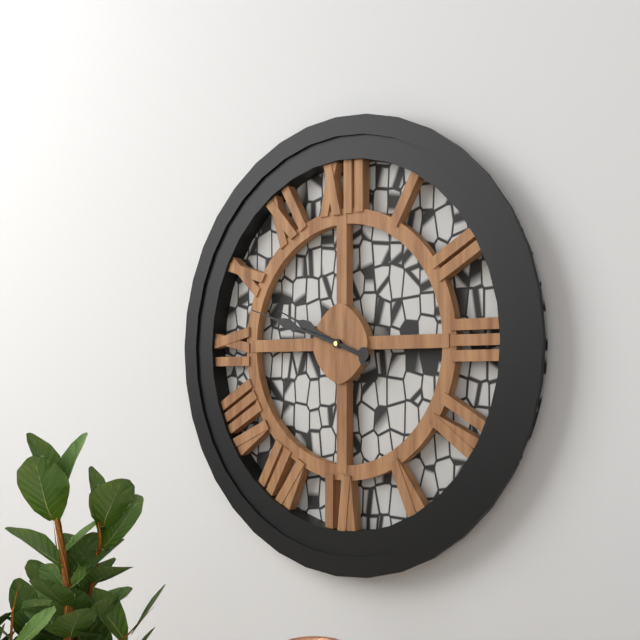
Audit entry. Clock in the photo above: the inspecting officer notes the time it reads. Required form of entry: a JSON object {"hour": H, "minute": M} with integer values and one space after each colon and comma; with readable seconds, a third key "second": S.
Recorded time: {"hour": 9, "minute": 48}
